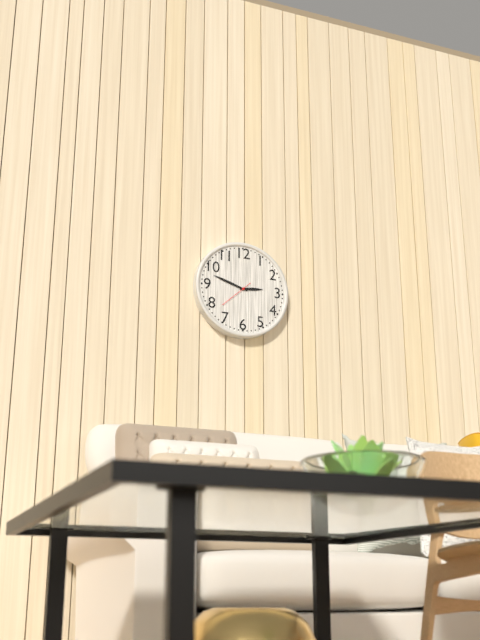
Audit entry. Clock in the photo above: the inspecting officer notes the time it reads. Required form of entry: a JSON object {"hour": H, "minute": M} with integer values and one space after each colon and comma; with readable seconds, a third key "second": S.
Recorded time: {"hour": 2, "minute": 48}
